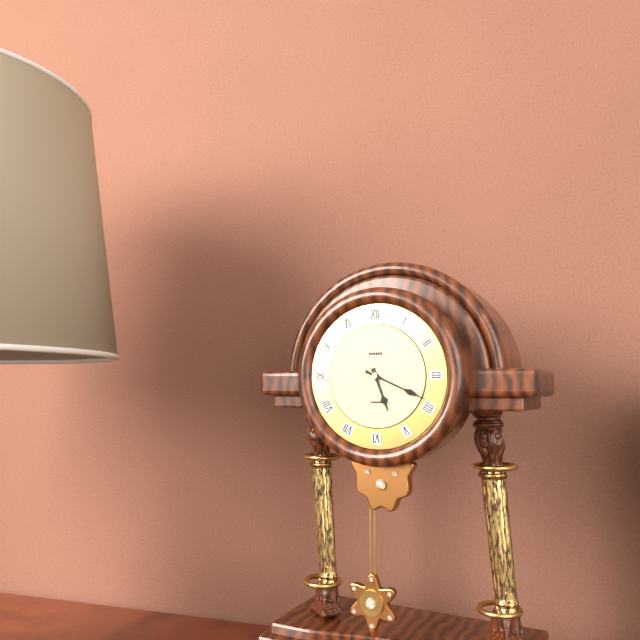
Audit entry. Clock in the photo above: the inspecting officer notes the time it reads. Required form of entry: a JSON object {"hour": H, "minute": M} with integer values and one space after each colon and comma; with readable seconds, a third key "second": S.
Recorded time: {"hour": 5, "minute": 19}
